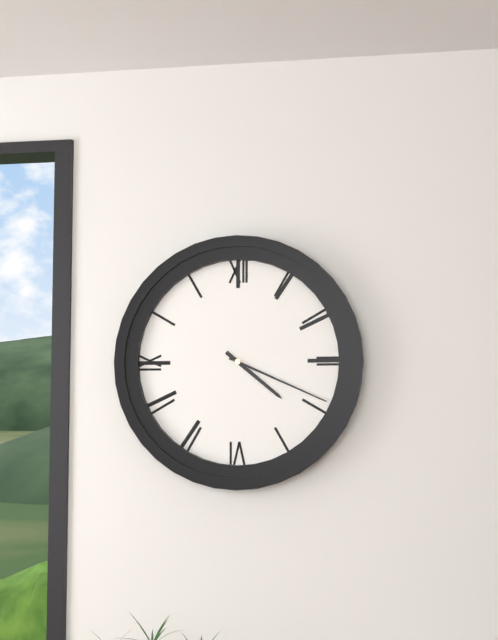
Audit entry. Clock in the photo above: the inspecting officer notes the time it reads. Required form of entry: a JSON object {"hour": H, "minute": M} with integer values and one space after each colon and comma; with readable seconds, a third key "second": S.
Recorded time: {"hour": 4, "minute": 19}
